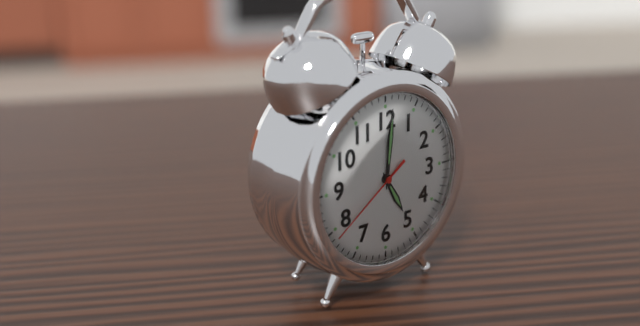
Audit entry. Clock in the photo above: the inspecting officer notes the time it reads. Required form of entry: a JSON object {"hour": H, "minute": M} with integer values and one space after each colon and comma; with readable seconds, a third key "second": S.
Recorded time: {"hour": 5, "minute": 1, "second": 39}
